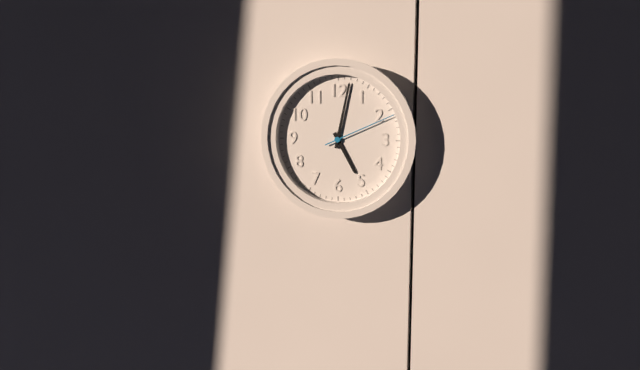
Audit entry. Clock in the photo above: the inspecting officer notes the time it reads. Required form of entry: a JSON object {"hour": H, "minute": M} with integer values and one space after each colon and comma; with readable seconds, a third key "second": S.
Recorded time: {"hour": 5, "minute": 2, "second": 11}
